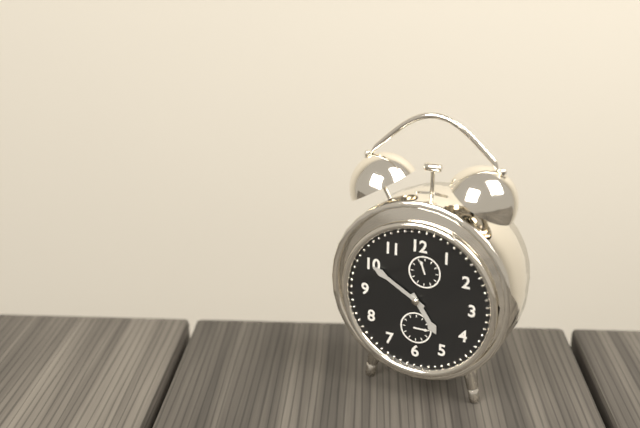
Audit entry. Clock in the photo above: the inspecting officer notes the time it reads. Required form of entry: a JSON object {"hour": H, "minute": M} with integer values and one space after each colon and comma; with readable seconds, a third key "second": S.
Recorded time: {"hour": 4, "minute": 50}
